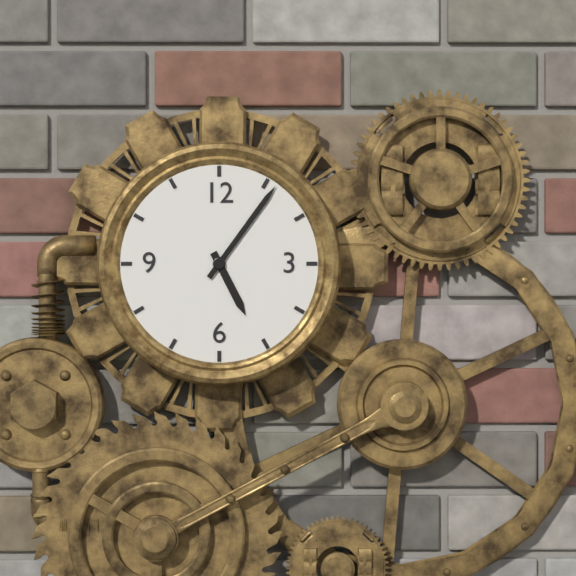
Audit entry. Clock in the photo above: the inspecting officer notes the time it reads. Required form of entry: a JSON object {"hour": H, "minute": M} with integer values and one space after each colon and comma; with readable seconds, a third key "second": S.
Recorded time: {"hour": 5, "minute": 6}
